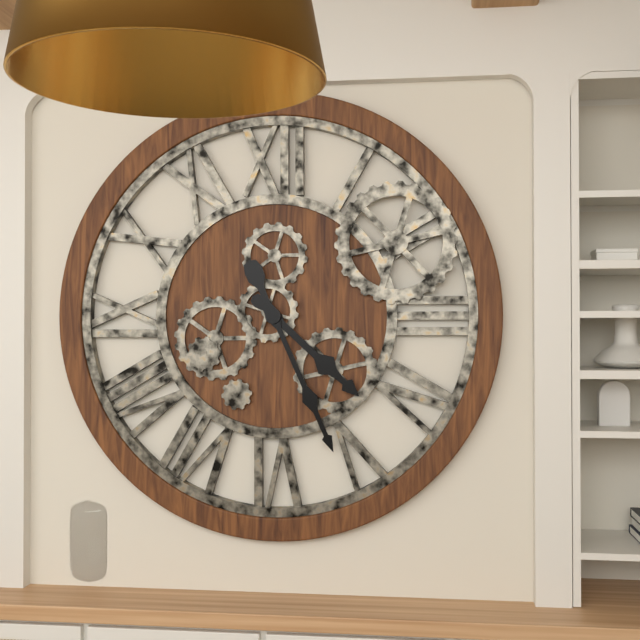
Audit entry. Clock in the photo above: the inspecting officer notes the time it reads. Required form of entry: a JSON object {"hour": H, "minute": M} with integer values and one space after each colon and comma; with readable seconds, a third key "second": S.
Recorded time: {"hour": 4, "minute": 26}
